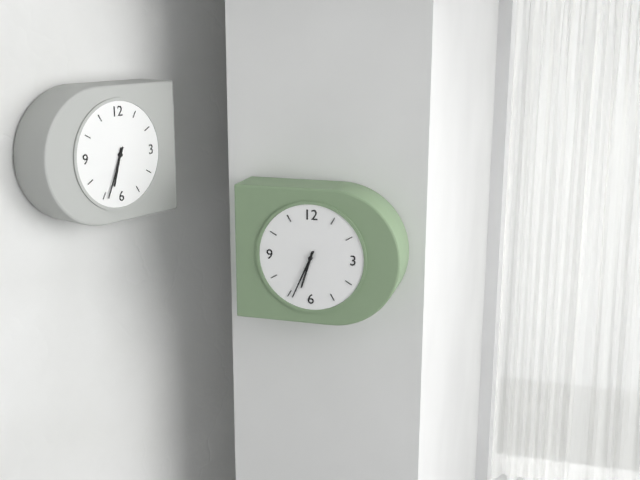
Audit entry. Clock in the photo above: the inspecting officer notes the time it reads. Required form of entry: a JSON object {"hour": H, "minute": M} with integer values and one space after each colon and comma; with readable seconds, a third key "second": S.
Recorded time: {"hour": 6, "minute": 34}
